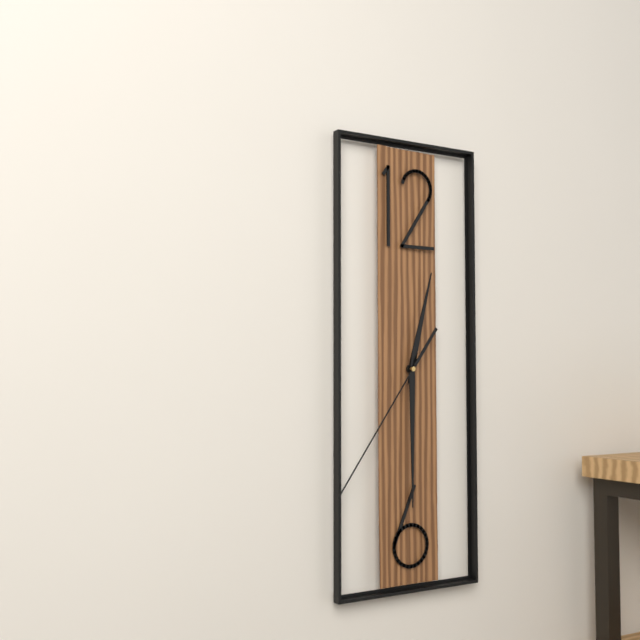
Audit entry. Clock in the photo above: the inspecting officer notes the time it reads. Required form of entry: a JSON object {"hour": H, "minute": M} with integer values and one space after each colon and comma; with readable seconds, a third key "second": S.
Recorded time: {"hour": 12, "minute": 30, "second": 36}
